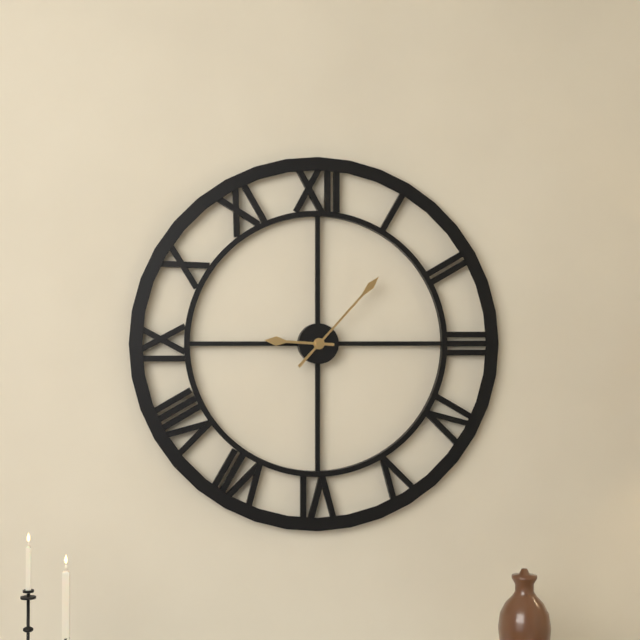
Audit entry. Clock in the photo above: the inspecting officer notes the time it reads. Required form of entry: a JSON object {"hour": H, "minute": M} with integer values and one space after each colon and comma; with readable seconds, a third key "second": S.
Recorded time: {"hour": 9, "minute": 7}
